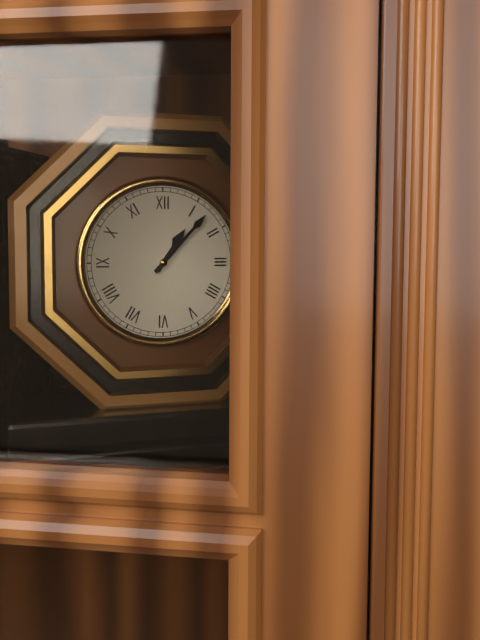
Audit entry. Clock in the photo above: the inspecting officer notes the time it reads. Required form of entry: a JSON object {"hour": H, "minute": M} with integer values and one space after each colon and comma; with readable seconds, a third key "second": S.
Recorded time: {"hour": 1, "minute": 7}
